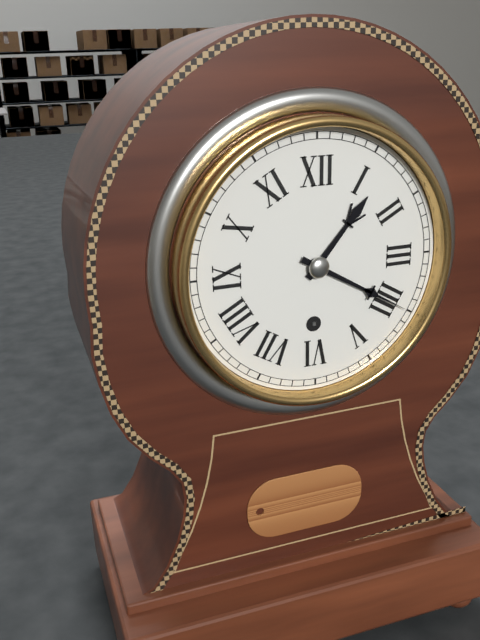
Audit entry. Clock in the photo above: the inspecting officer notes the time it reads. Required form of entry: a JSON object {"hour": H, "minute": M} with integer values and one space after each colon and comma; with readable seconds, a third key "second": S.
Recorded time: {"hour": 1, "minute": 20}
